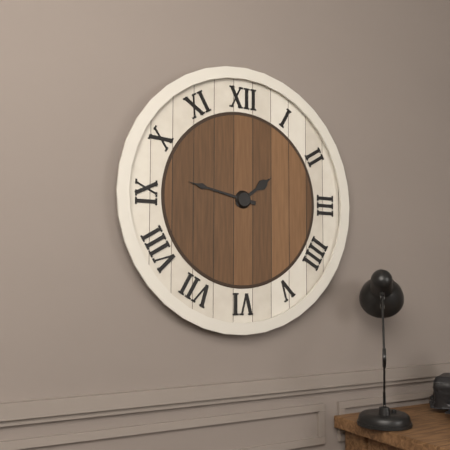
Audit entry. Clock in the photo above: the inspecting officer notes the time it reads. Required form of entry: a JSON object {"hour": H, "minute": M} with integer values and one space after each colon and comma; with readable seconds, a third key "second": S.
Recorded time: {"hour": 1, "minute": 47}
